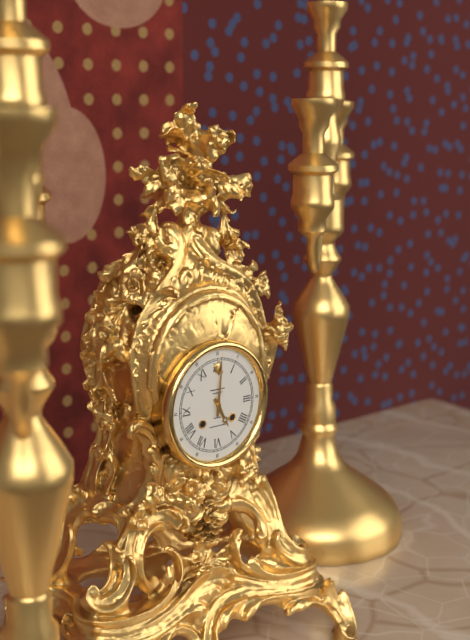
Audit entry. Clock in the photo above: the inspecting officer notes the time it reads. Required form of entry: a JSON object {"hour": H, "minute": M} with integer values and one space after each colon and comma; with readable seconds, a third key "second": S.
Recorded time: {"hour": 5, "minute": 1}
